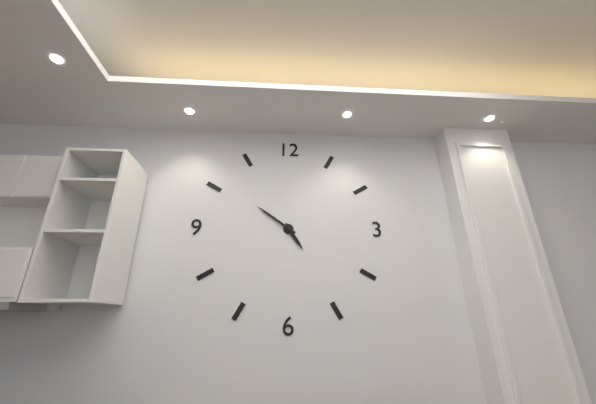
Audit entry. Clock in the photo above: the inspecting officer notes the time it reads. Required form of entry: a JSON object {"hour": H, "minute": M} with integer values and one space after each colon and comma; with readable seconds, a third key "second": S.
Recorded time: {"hour": 4, "minute": 51}
